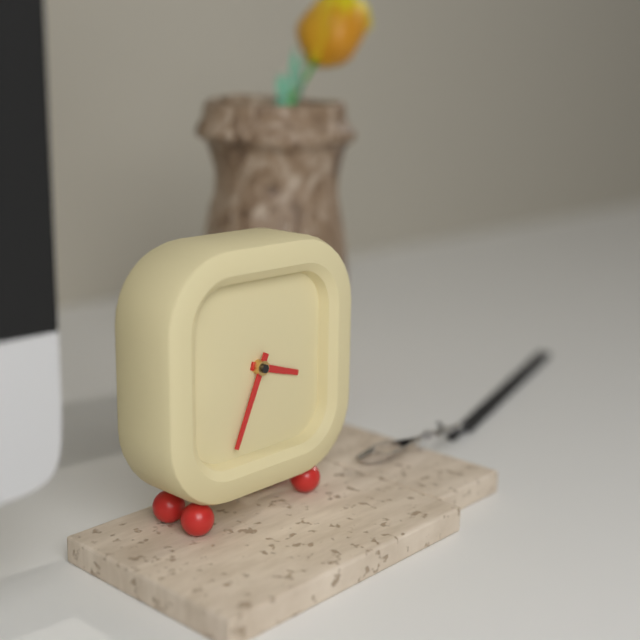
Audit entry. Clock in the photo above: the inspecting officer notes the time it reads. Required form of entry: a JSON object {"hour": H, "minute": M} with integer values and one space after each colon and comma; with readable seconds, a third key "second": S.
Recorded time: {"hour": 3, "minute": 34}
